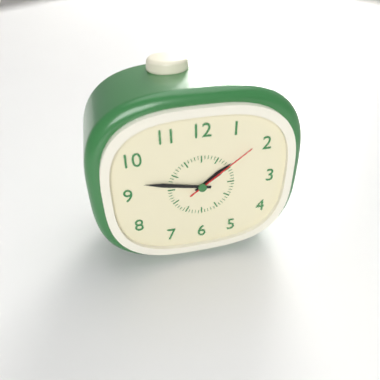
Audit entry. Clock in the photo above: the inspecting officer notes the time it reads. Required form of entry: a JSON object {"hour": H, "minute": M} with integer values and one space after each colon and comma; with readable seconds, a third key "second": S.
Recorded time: {"hour": 1, "minute": 47, "second": 9}
